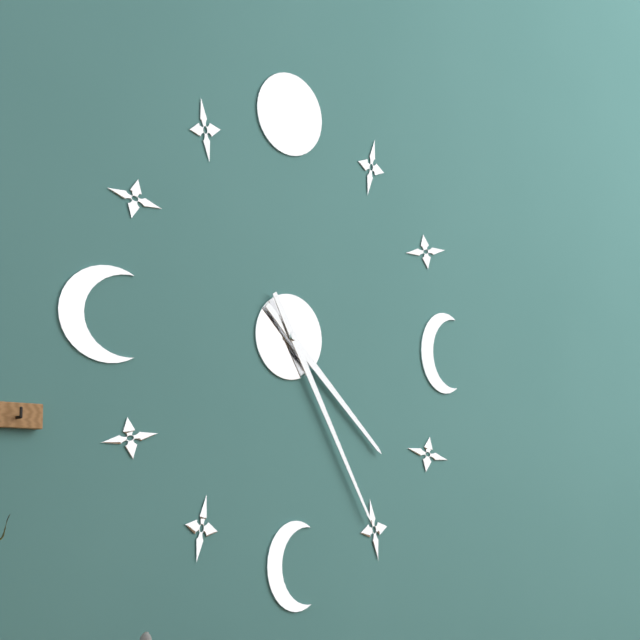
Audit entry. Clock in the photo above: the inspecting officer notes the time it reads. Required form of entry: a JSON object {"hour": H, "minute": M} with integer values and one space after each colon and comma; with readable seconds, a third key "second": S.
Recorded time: {"hour": 4, "minute": 25}
